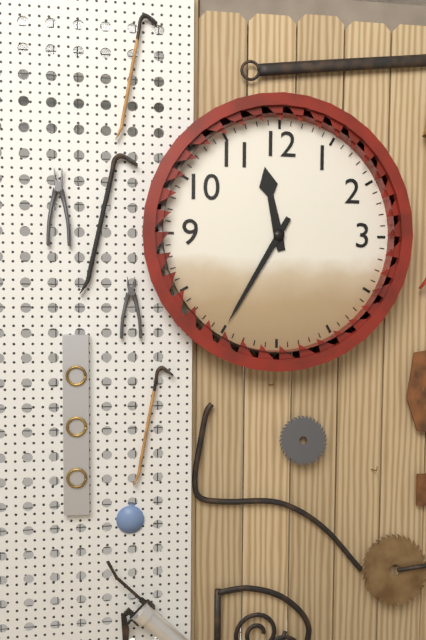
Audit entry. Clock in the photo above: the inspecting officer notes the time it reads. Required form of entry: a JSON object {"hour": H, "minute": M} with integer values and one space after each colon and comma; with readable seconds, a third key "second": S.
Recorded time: {"hour": 11, "minute": 35}
